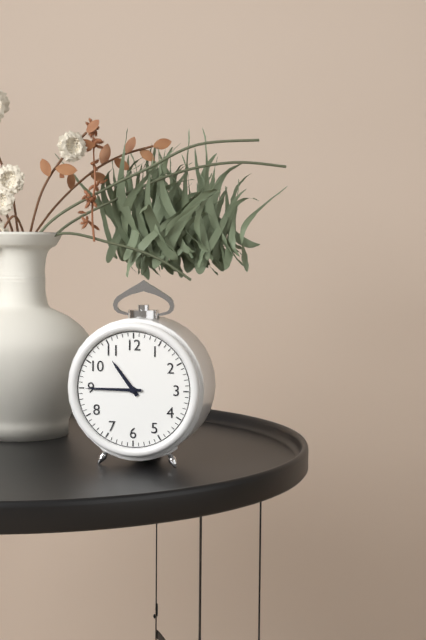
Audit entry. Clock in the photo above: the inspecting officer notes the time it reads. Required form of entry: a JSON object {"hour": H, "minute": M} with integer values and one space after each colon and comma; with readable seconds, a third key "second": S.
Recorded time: {"hour": 10, "minute": 45}
